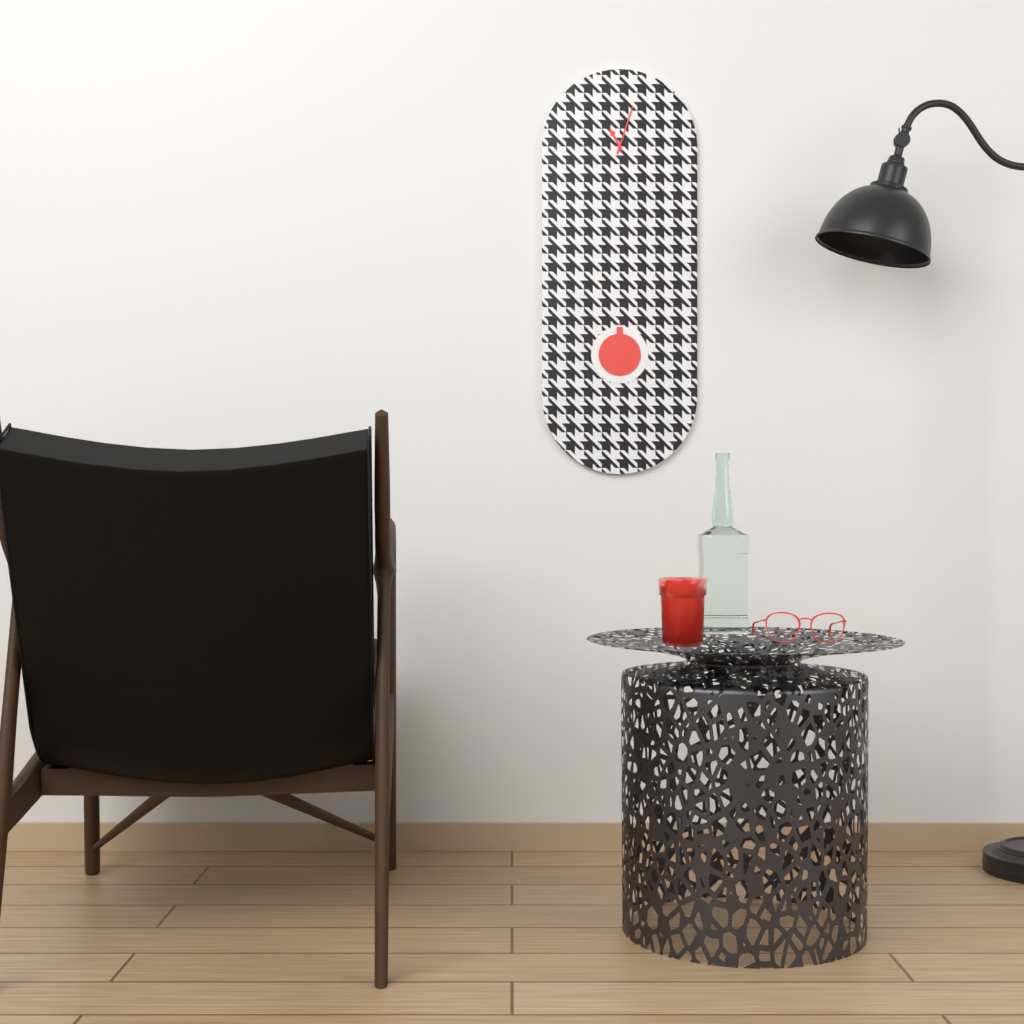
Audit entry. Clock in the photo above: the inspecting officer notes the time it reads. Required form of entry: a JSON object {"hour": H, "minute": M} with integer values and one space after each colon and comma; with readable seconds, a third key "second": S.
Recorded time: {"hour": 11, "minute": 3}
